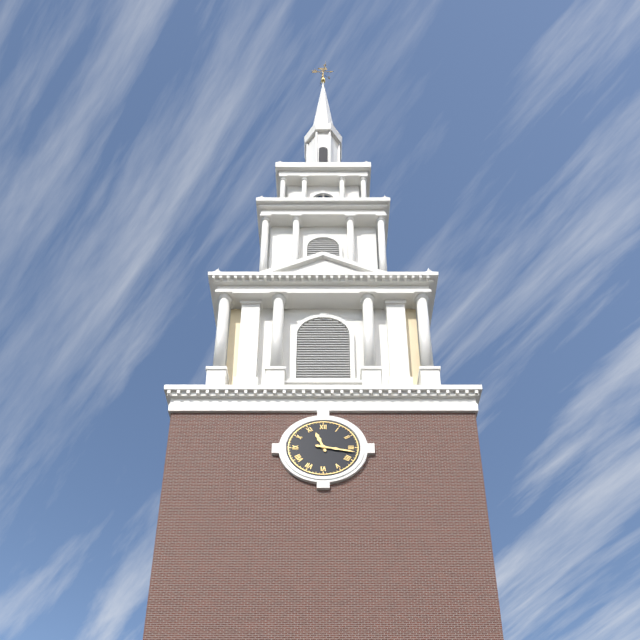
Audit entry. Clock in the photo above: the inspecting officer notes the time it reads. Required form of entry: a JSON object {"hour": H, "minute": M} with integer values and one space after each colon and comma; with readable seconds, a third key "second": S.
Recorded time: {"hour": 11, "minute": 17}
